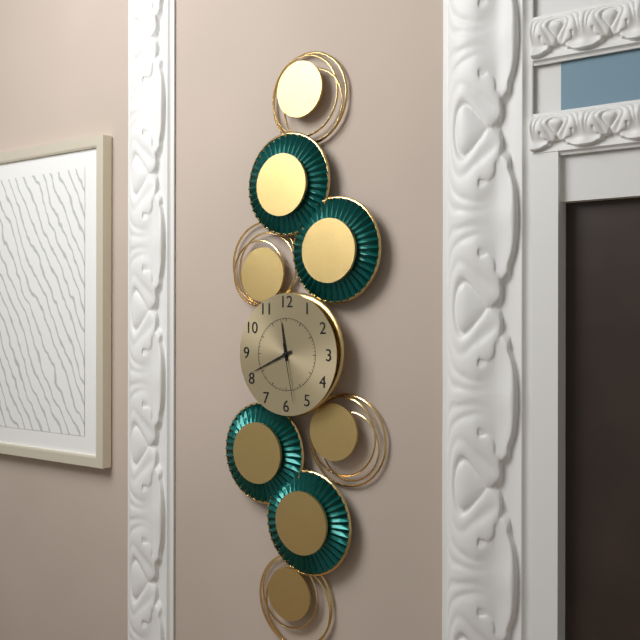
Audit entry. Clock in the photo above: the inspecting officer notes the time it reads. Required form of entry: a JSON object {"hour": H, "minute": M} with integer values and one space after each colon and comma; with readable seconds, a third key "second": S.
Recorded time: {"hour": 11, "minute": 41, "second": 28}
